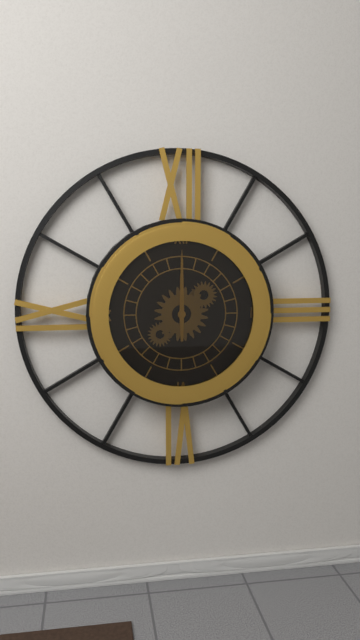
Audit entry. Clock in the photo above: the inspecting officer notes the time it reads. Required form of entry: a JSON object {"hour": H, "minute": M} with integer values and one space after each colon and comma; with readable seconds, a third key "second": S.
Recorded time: {"hour": 12, "minute": 0}
